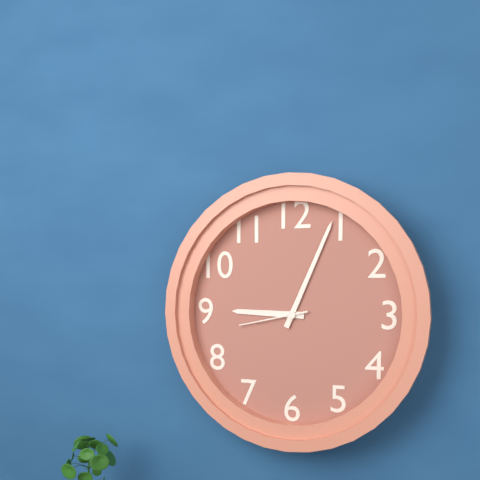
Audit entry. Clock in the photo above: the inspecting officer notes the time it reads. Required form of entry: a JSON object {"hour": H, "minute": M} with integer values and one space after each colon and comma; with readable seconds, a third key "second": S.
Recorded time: {"hour": 9, "minute": 4, "second": 43}
